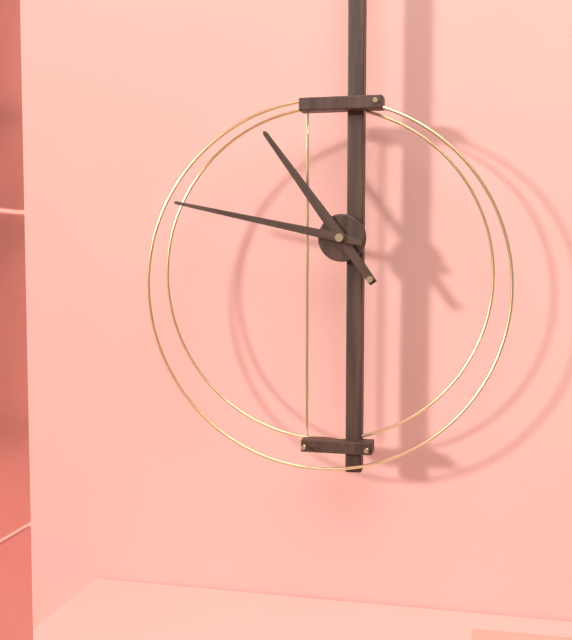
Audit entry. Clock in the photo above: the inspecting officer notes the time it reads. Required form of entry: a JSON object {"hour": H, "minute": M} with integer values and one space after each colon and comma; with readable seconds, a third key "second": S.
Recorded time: {"hour": 10, "minute": 47}
